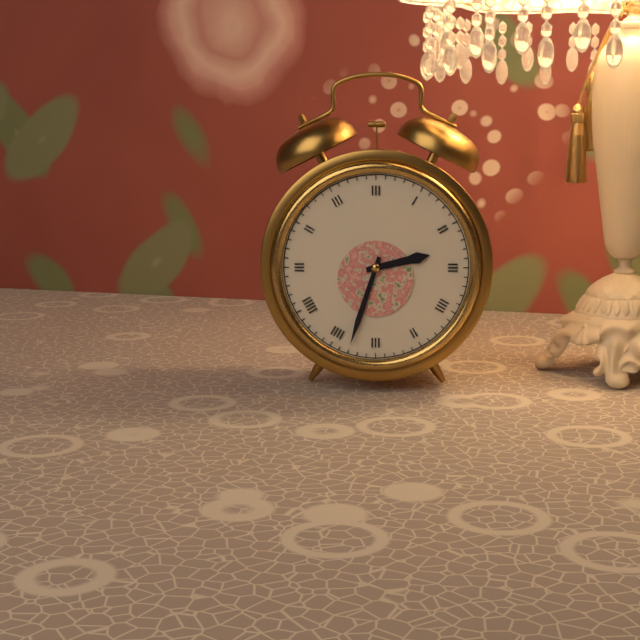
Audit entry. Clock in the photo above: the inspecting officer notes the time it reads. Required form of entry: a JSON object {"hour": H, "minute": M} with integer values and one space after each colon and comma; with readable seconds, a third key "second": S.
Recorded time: {"hour": 2, "minute": 33}
